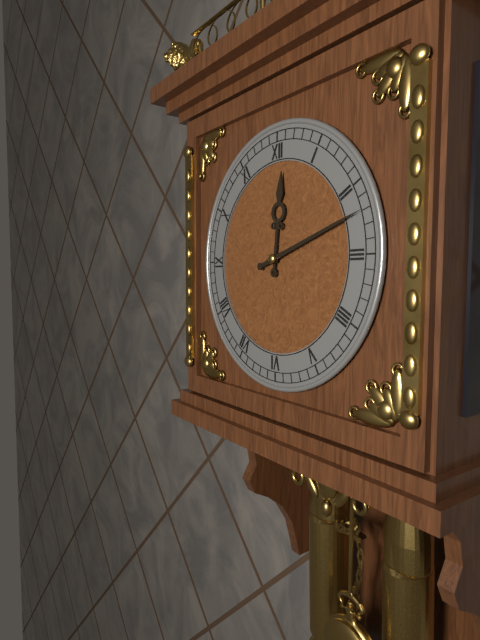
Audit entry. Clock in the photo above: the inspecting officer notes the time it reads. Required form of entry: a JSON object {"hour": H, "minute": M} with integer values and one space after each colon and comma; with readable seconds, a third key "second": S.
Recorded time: {"hour": 12, "minute": 12}
